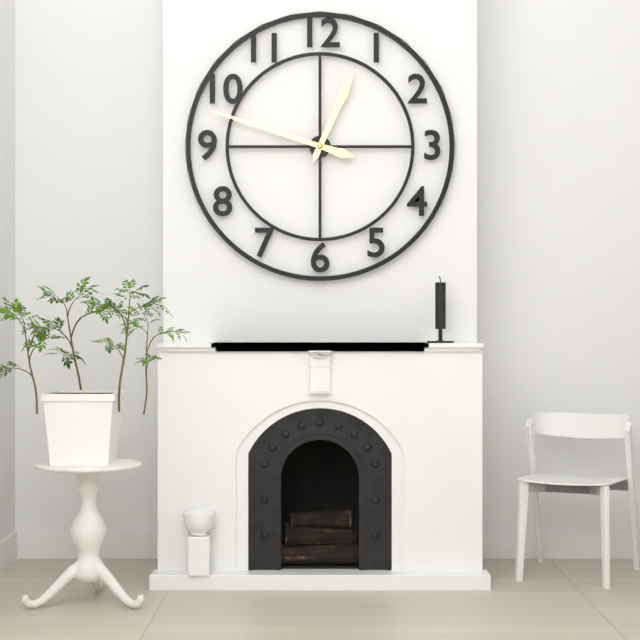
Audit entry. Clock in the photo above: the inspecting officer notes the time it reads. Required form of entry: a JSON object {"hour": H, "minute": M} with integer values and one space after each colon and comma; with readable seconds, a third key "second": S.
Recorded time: {"hour": 12, "minute": 48}
